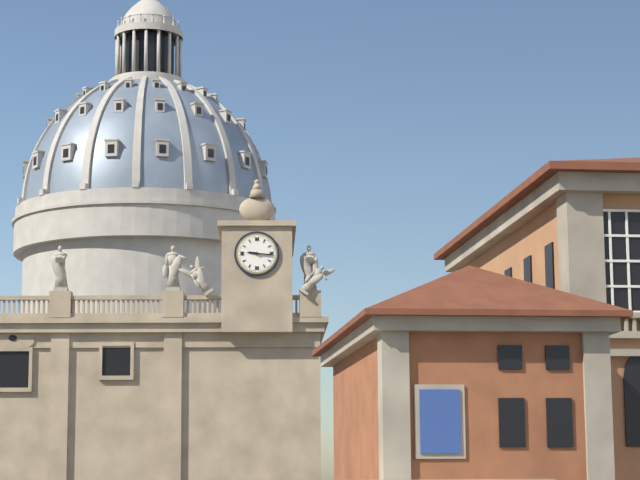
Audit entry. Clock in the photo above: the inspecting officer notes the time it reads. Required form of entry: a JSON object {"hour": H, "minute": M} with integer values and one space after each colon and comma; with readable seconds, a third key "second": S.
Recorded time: {"hour": 9, "minute": 16}
